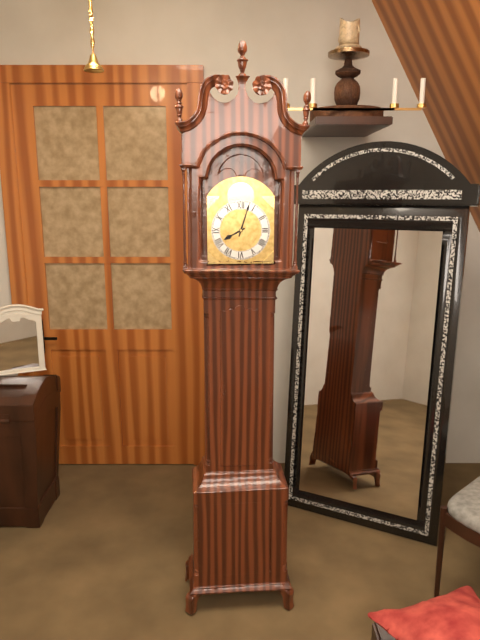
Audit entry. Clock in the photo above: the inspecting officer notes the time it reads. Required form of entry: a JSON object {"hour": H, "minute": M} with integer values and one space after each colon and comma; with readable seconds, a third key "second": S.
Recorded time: {"hour": 8, "minute": 3}
